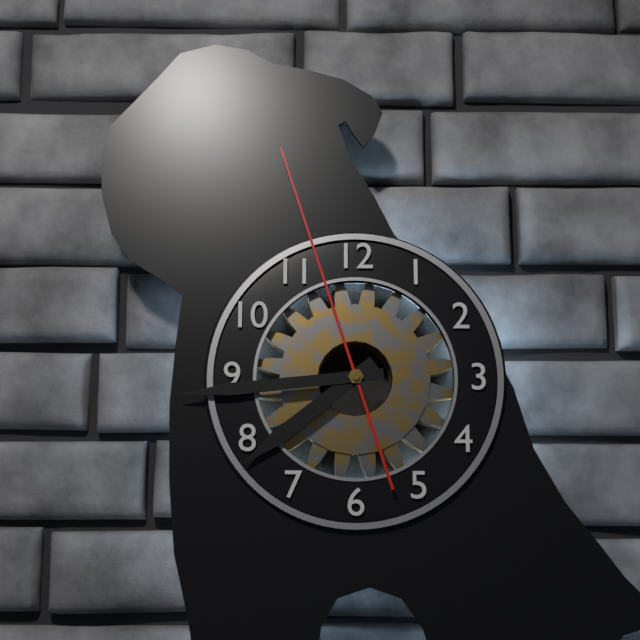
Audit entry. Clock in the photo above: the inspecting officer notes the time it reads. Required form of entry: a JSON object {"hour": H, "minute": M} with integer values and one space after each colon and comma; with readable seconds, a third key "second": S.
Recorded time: {"hour": 7, "minute": 44, "second": 57}
